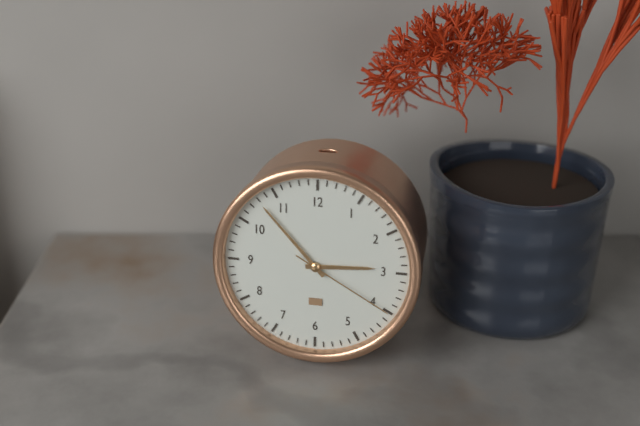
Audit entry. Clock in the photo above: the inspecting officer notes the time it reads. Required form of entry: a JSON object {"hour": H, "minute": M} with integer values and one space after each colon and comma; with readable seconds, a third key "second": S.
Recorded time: {"hour": 2, "minute": 53, "second": 20}
